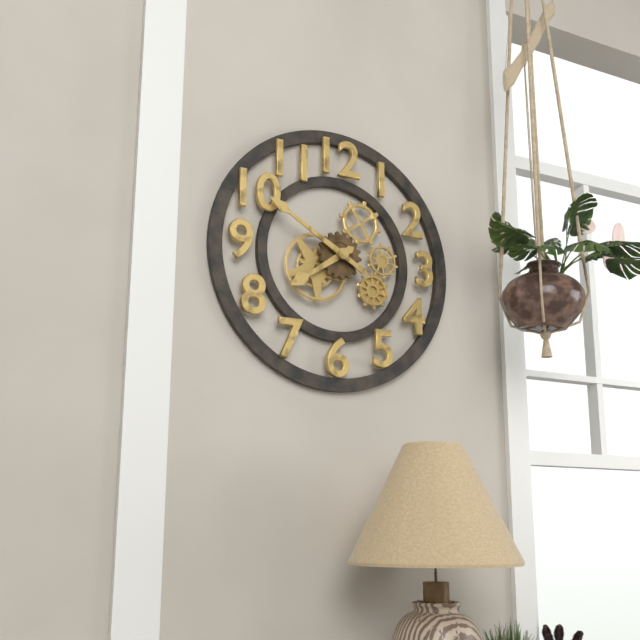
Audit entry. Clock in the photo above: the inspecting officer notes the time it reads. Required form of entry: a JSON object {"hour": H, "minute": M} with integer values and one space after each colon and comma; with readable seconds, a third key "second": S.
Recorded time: {"hour": 7, "minute": 50}
